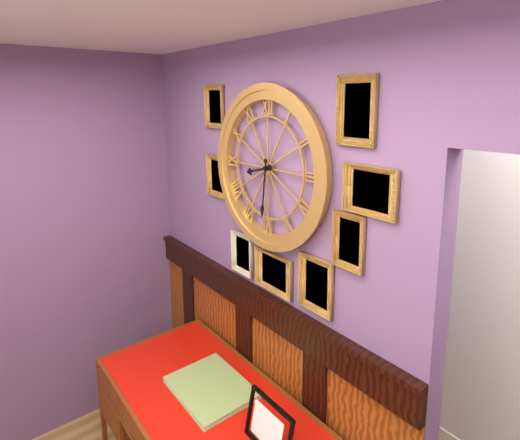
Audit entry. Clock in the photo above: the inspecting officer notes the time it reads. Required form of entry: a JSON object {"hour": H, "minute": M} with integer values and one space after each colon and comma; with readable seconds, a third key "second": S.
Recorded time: {"hour": 8, "minute": 31}
